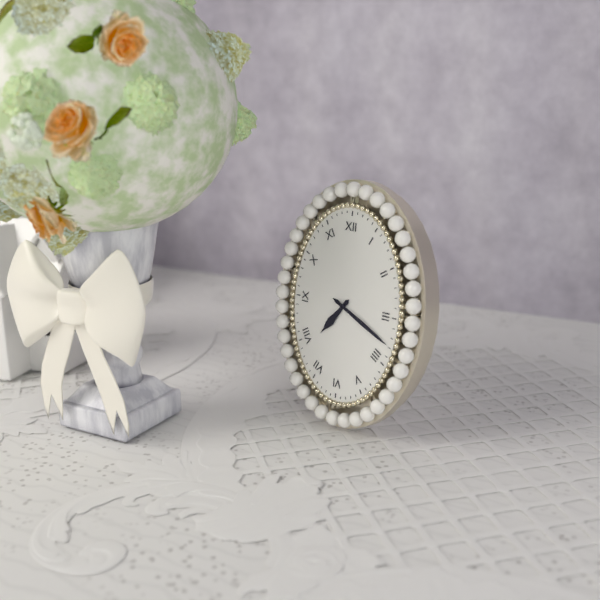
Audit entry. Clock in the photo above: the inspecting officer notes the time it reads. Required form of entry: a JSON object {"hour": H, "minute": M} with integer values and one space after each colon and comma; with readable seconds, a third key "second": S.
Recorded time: {"hour": 7, "minute": 19}
